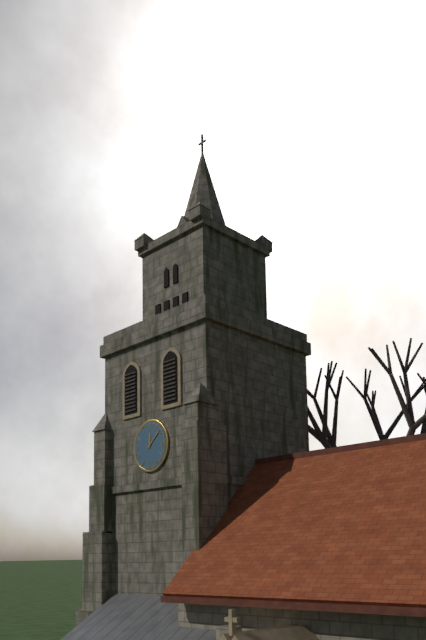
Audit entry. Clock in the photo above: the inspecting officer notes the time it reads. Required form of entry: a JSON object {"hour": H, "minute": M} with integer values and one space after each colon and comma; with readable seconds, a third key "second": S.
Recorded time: {"hour": 12, "minute": 8}
